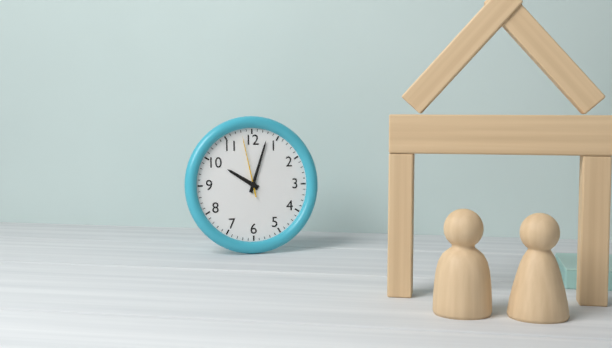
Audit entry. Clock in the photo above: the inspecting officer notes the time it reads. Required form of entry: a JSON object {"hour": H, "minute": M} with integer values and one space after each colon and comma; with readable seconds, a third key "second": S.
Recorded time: {"hour": 10, "minute": 3, "second": 58}
